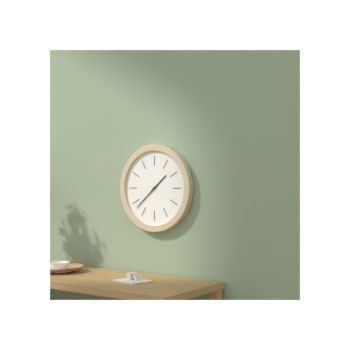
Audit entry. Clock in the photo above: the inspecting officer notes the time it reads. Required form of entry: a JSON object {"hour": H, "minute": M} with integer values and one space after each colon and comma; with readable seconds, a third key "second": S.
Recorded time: {"hour": 1, "minute": 38}
